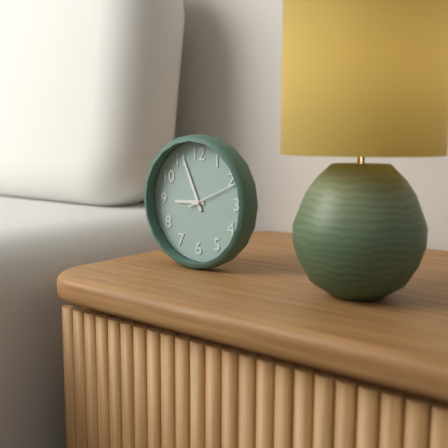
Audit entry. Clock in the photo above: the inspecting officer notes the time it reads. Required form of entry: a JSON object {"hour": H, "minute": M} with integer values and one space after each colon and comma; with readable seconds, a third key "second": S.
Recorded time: {"hour": 8, "minute": 56, "second": 11}
